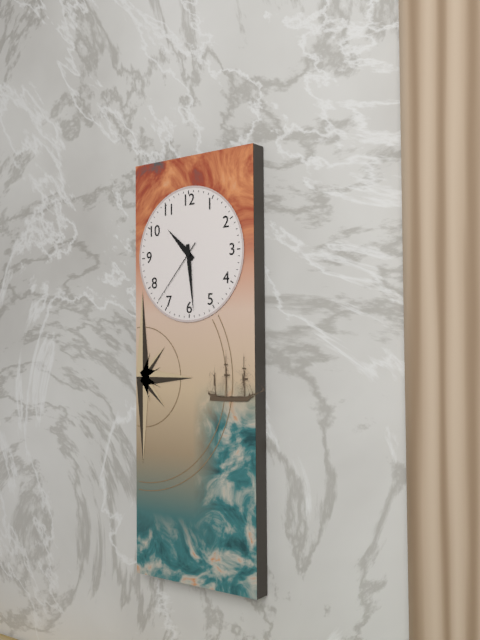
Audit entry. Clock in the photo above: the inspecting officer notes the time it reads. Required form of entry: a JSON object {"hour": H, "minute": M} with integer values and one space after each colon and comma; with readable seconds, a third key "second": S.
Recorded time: {"hour": 10, "minute": 29, "second": 37}
